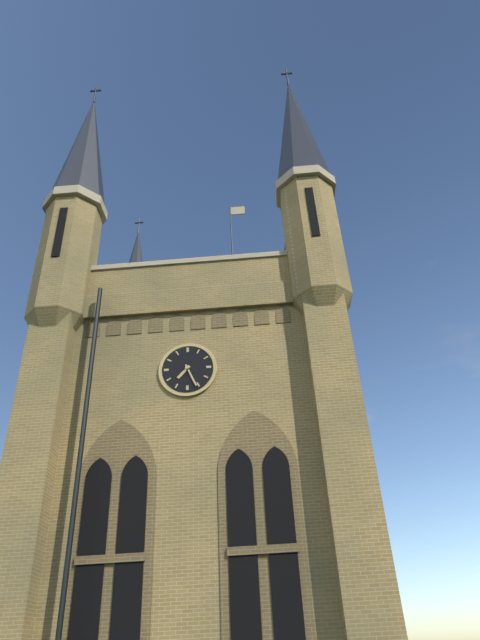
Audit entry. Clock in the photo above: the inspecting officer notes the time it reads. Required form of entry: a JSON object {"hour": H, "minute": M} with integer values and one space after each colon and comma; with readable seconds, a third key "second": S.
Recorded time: {"hour": 7, "minute": 26}
